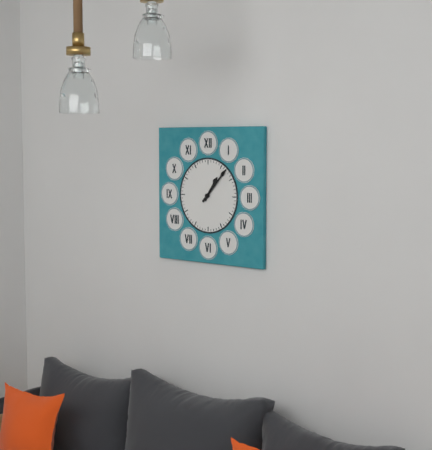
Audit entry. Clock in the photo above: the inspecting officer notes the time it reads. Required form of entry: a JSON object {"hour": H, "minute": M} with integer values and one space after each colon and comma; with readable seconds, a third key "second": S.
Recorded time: {"hour": 1, "minute": 7}
